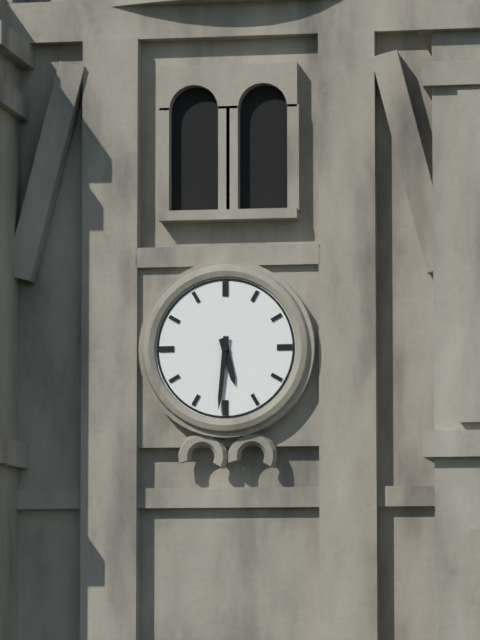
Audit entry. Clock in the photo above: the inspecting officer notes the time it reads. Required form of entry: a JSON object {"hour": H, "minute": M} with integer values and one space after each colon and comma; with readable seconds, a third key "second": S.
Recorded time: {"hour": 5, "minute": 31}
